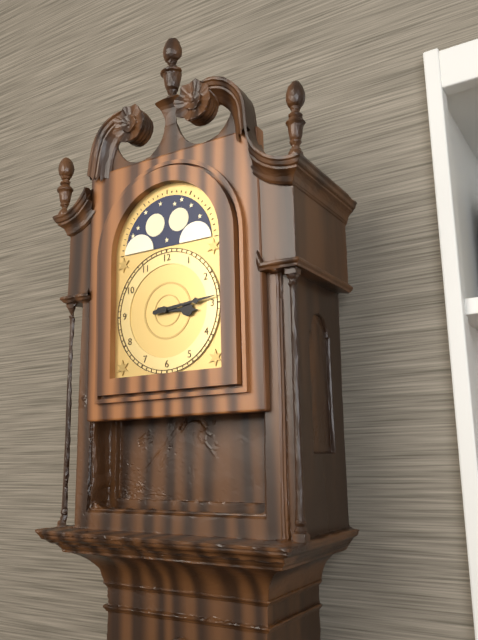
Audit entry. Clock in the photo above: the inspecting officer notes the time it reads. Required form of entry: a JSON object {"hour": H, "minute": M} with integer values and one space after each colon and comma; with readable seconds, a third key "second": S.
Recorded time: {"hour": 3, "minute": 14}
